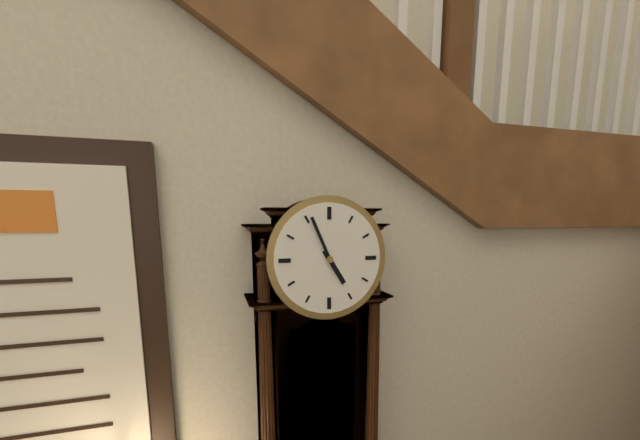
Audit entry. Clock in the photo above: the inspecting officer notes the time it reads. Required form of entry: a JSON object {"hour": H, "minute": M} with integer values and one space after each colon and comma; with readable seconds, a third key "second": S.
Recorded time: {"hour": 4, "minute": 56}
